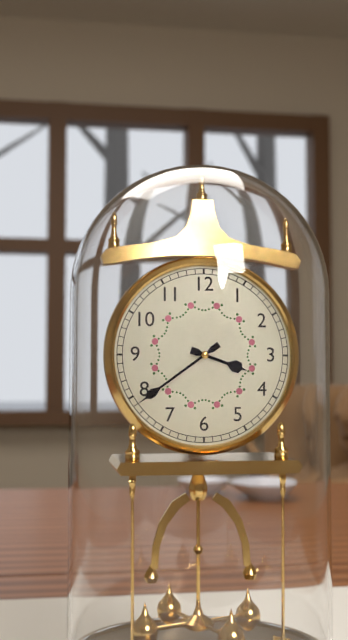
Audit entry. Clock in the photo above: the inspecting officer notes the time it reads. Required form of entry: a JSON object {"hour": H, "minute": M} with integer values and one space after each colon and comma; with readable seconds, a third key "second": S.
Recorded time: {"hour": 3, "minute": 39}
